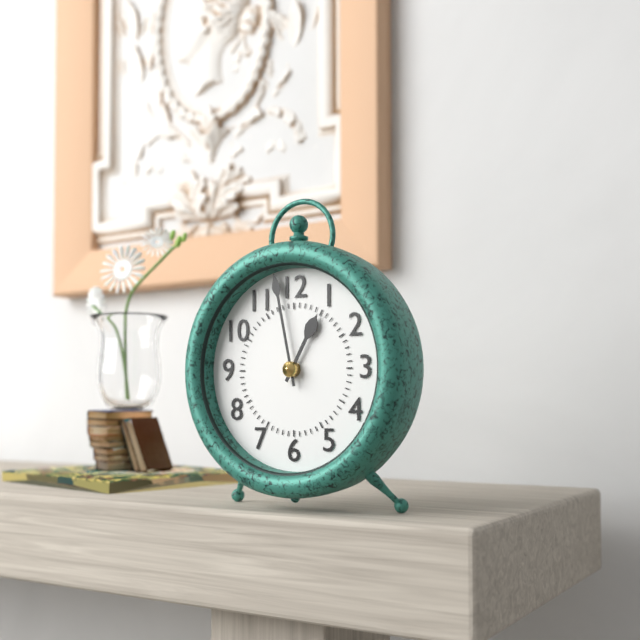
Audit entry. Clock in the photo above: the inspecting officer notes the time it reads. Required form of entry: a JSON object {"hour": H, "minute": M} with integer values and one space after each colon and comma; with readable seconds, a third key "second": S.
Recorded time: {"hour": 12, "minute": 58}
